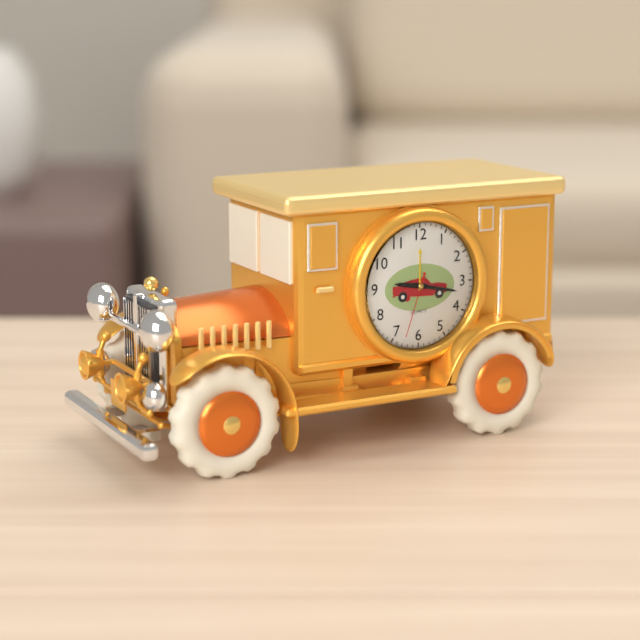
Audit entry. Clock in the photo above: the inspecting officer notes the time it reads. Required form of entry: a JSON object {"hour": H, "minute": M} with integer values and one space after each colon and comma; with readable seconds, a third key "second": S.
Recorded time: {"hour": 9, "minute": 17, "second": 33}
